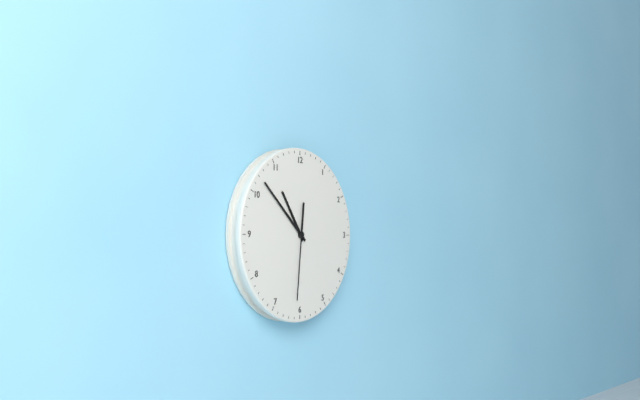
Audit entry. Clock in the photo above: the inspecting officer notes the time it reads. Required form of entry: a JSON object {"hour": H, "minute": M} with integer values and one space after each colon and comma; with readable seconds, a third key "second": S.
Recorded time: {"hour": 10, "minute": 52, "second": 31}
